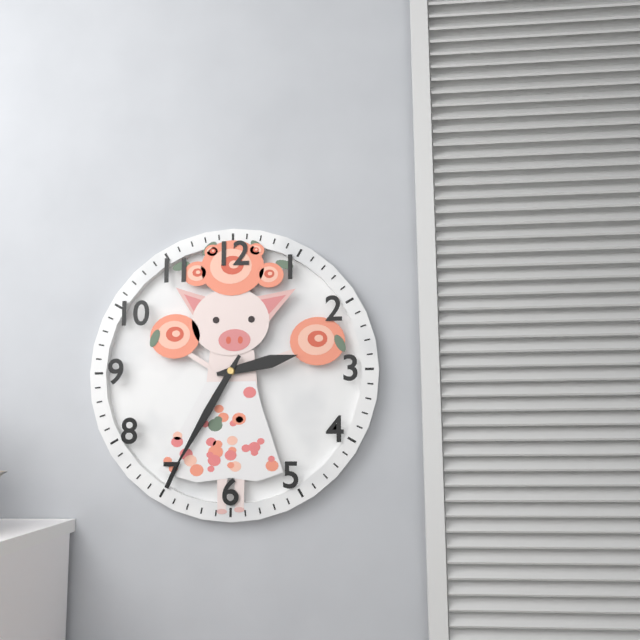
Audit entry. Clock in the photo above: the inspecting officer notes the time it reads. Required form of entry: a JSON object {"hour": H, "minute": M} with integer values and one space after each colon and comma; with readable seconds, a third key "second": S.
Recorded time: {"hour": 2, "minute": 35}
